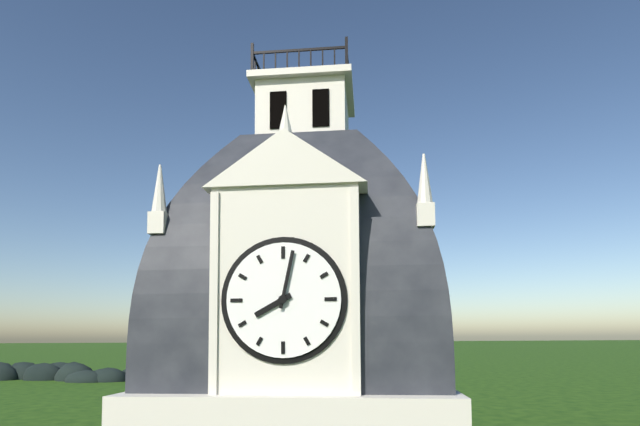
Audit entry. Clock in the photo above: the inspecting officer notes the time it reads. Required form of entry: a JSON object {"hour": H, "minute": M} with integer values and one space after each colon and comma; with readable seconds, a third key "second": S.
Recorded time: {"hour": 8, "minute": 2}
